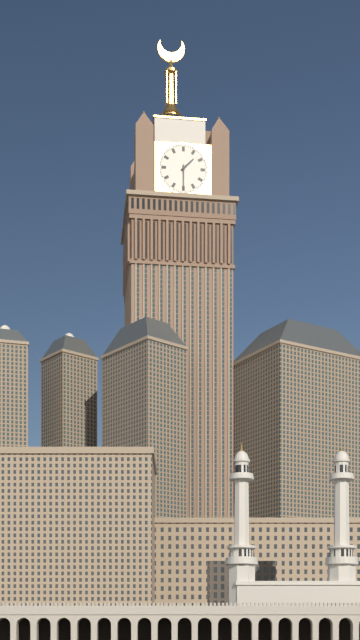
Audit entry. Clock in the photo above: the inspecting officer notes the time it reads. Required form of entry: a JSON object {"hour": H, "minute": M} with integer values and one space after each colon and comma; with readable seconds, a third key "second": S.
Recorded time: {"hour": 1, "minute": 30}
